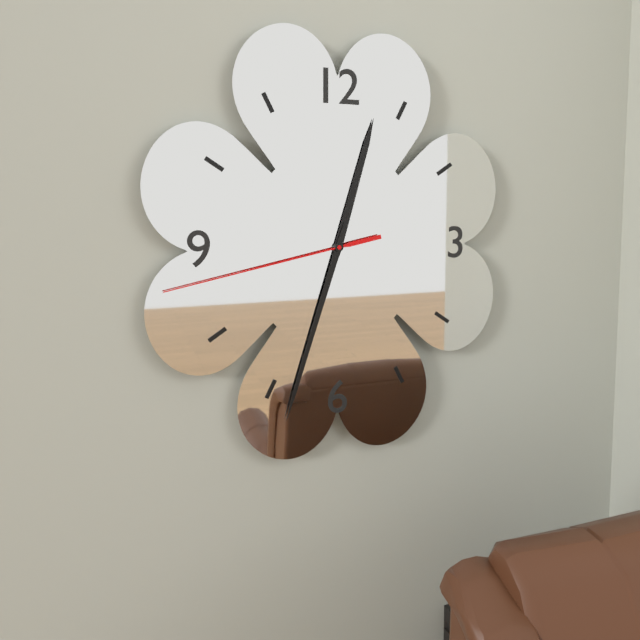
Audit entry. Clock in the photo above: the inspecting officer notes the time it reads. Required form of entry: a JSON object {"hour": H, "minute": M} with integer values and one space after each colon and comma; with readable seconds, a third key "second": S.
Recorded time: {"hour": 12, "minute": 33, "second": 43}
